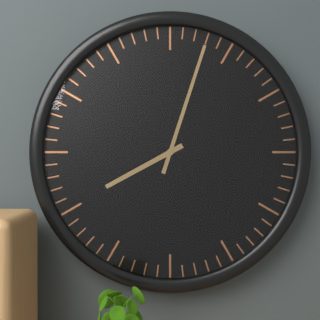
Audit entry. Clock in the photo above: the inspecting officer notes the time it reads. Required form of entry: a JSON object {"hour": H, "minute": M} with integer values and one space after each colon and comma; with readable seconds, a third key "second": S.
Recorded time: {"hour": 8, "minute": 3}
